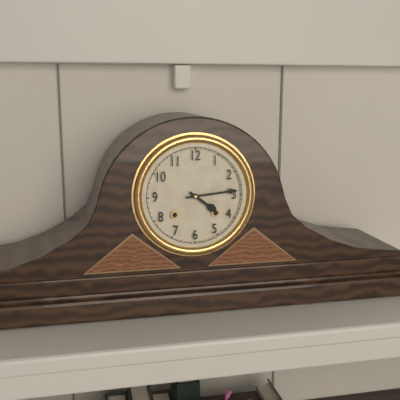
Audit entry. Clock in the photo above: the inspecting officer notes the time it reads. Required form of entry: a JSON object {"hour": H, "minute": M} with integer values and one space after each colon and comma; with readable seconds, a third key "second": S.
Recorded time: {"hour": 4, "minute": 14}
